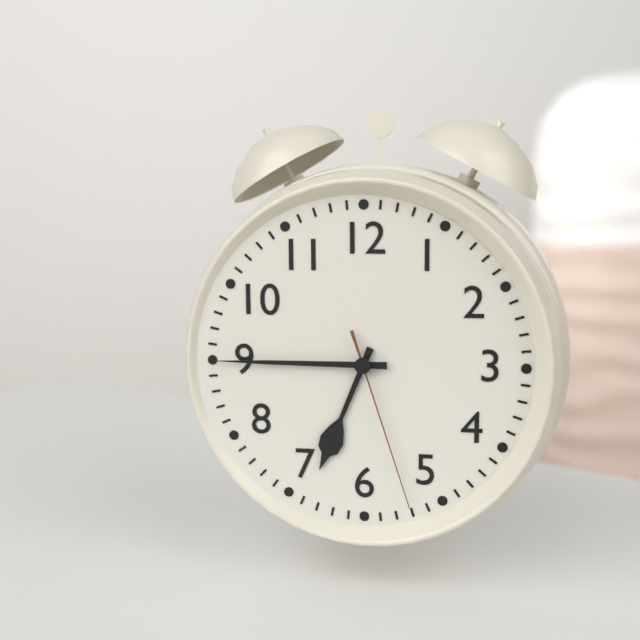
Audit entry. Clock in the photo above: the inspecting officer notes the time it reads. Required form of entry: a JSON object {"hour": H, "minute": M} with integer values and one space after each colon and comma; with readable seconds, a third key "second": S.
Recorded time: {"hour": 6, "minute": 45, "second": 27}
